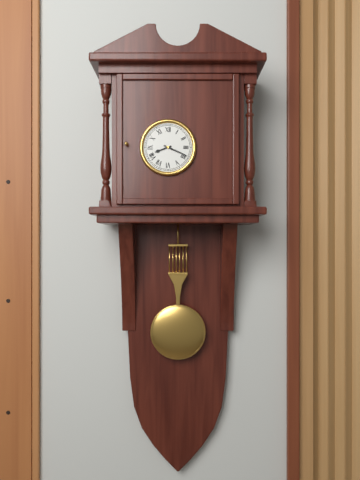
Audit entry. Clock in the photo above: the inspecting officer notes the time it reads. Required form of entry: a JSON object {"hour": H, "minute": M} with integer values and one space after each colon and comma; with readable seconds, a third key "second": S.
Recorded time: {"hour": 8, "minute": 19}
